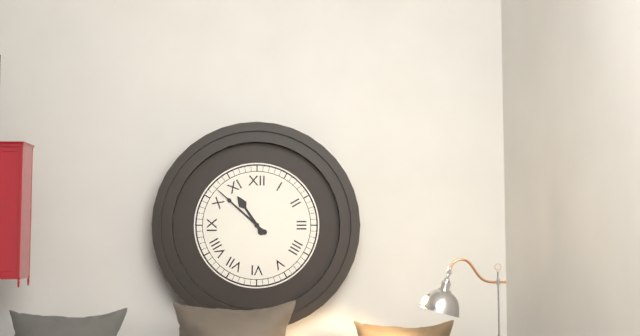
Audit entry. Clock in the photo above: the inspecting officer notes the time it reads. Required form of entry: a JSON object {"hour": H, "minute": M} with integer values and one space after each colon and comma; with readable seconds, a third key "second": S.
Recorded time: {"hour": 10, "minute": 52}
